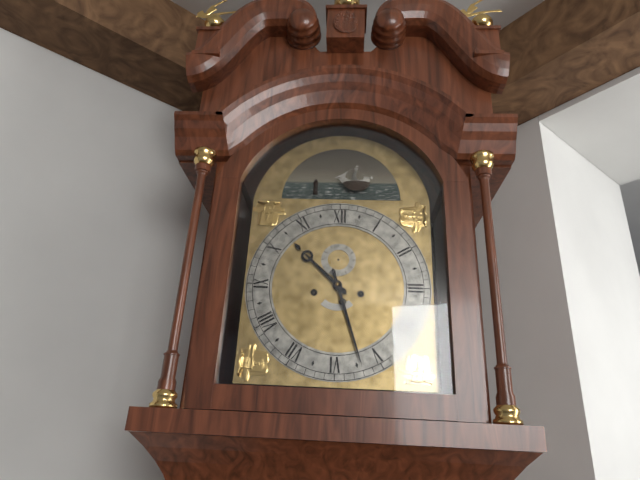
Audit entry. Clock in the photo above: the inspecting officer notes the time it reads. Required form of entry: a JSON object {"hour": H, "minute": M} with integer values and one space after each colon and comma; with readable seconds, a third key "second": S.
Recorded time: {"hour": 10, "minute": 27}
